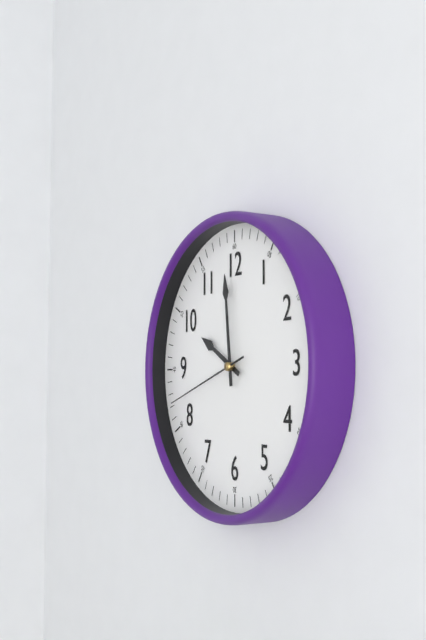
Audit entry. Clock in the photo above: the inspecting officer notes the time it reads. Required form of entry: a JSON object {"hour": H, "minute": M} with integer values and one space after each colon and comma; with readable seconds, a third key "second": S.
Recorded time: {"hour": 9, "minute": 59, "second": 42}
